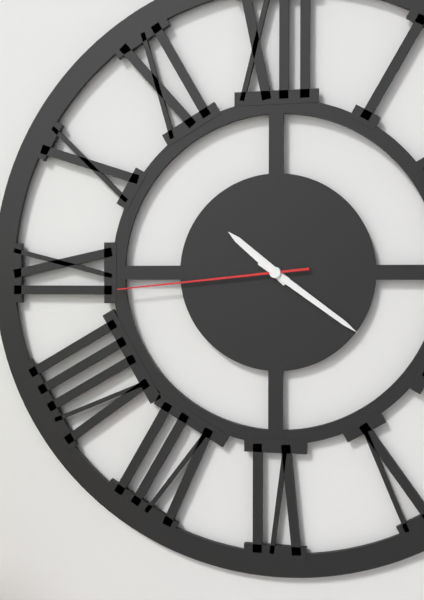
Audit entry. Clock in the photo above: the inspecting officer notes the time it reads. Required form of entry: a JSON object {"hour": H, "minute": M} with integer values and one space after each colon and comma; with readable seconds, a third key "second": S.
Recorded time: {"hour": 10, "minute": 21, "second": 44}
